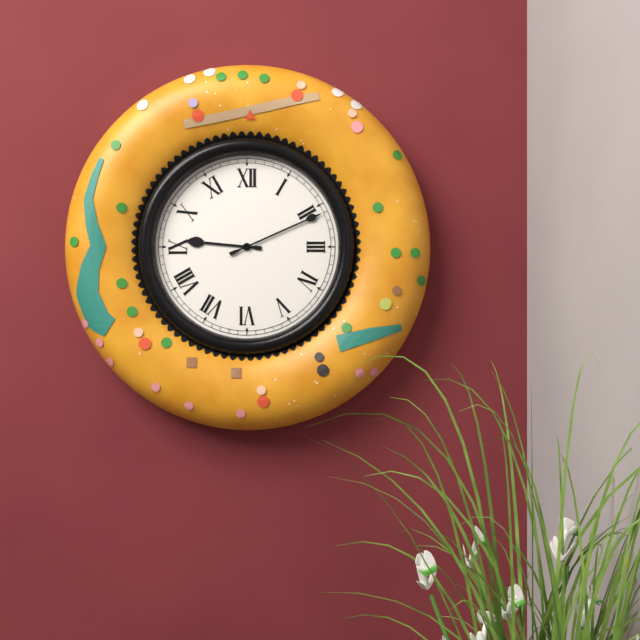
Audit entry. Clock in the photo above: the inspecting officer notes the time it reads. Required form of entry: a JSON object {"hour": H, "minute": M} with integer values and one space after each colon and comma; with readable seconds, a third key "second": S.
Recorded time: {"hour": 9, "minute": 11}
